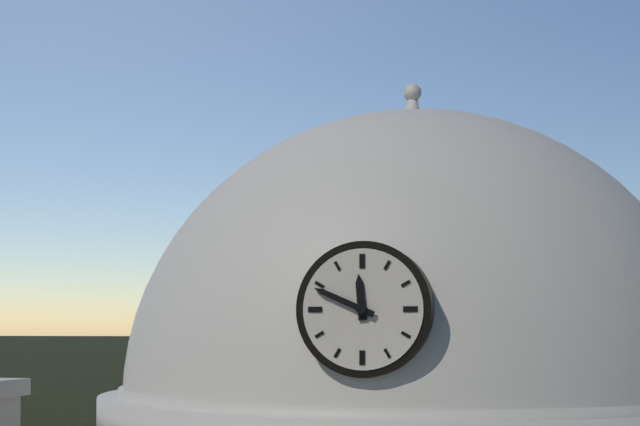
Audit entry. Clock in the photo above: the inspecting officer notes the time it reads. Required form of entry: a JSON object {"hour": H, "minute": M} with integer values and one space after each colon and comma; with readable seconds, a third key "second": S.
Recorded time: {"hour": 11, "minute": 49}
